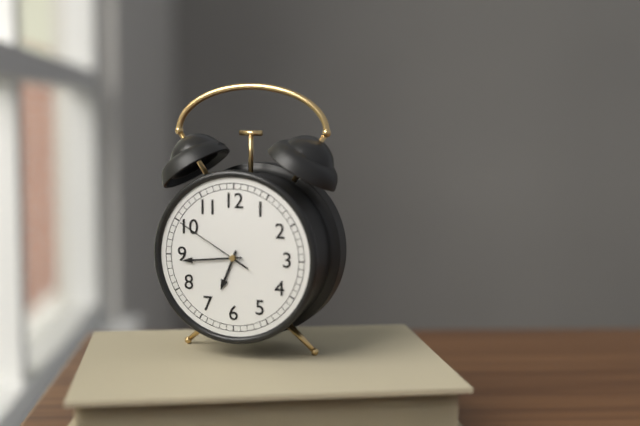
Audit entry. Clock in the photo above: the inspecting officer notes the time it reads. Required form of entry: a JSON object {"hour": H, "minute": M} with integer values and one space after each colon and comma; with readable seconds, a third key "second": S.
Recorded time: {"hour": 6, "minute": 44, "second": 50}
